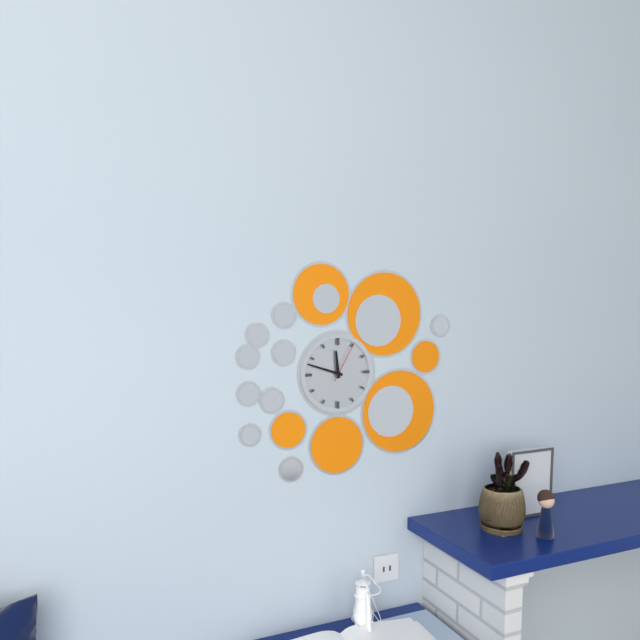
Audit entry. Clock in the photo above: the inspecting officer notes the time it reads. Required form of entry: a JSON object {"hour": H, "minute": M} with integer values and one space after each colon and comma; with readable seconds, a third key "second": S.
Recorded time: {"hour": 11, "minute": 48}
